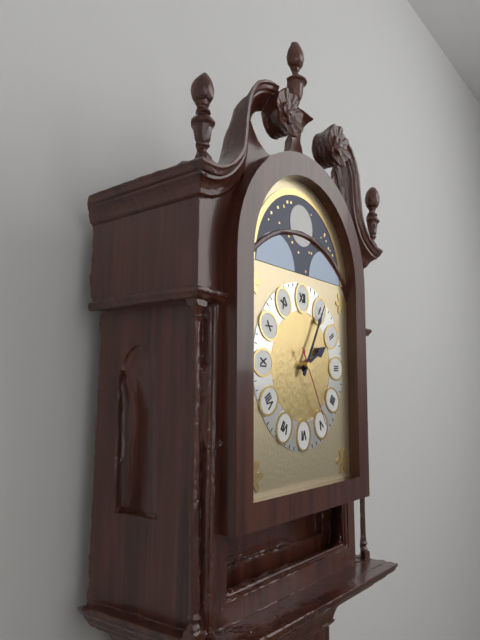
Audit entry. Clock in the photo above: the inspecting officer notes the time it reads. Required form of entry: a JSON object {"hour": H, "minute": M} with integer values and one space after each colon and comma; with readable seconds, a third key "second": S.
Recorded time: {"hour": 2, "minute": 5, "second": 25}
